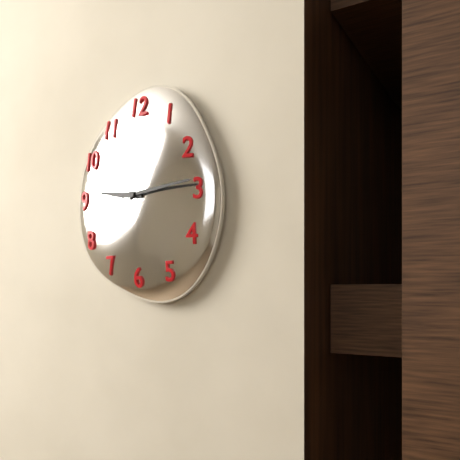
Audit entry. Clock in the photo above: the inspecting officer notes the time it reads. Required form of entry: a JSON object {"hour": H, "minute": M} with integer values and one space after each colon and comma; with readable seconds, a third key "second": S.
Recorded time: {"hour": 9, "minute": 14}
